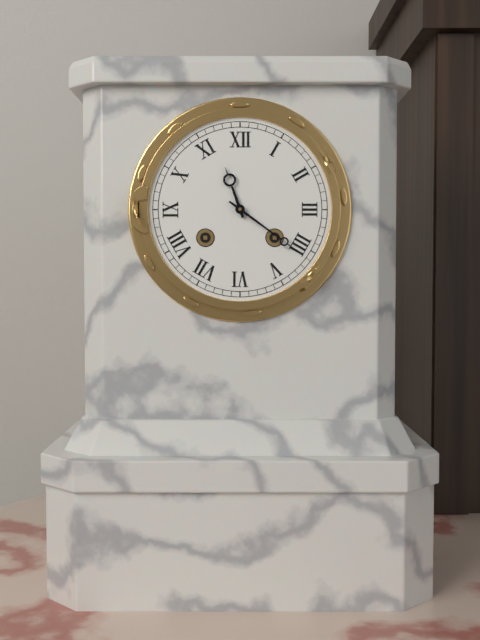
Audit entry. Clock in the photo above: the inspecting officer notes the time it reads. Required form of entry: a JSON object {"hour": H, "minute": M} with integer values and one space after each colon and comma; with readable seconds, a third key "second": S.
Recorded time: {"hour": 11, "minute": 21}
